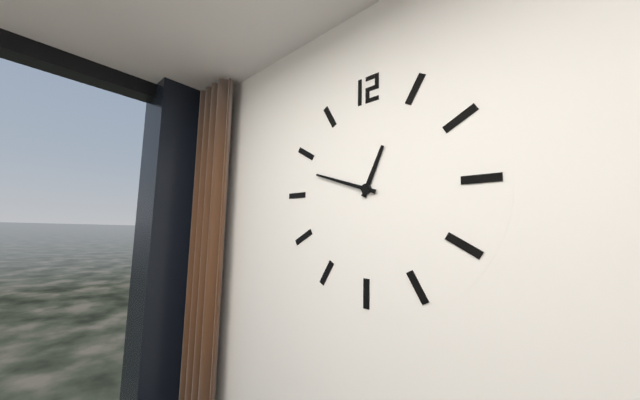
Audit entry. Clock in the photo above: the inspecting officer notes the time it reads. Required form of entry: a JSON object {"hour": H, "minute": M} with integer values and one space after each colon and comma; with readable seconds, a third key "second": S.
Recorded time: {"hour": 12, "minute": 48}
